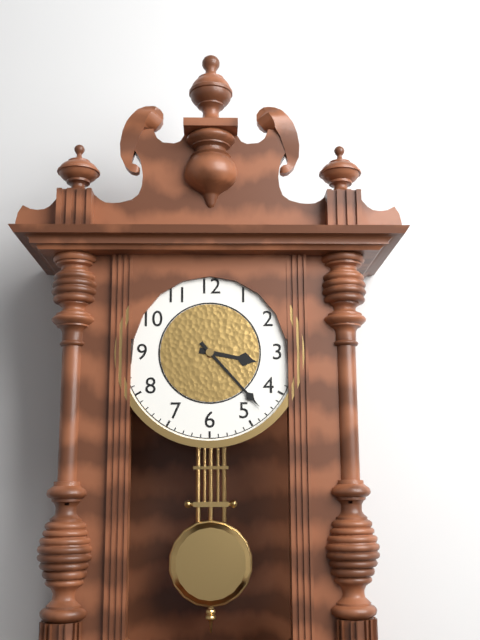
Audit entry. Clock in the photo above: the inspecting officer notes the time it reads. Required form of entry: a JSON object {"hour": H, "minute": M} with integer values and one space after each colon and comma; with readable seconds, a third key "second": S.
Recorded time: {"hour": 3, "minute": 23}
